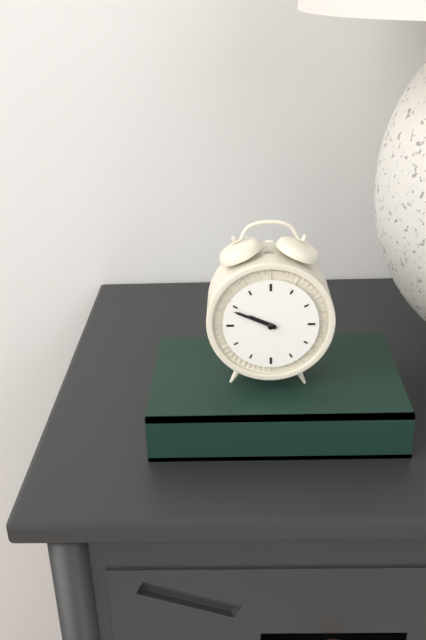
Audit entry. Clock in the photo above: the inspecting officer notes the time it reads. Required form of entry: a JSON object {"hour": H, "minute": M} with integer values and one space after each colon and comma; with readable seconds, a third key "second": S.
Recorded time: {"hour": 9, "minute": 49}
